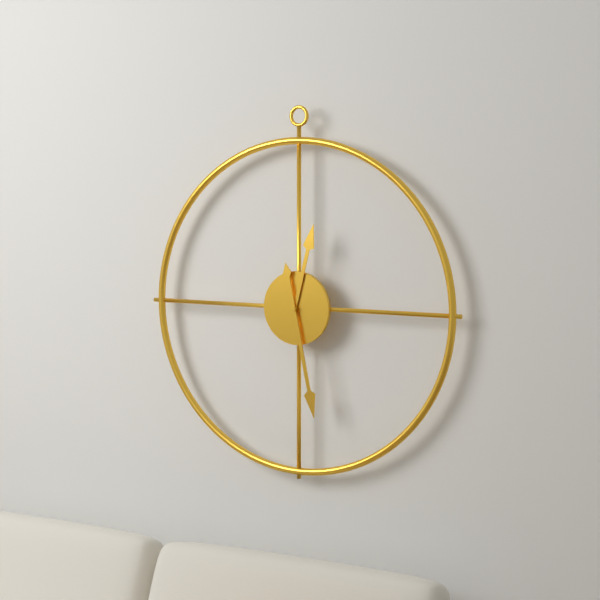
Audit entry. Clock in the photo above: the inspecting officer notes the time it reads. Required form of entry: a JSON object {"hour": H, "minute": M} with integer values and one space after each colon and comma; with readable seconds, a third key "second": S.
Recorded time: {"hour": 12, "minute": 28}
